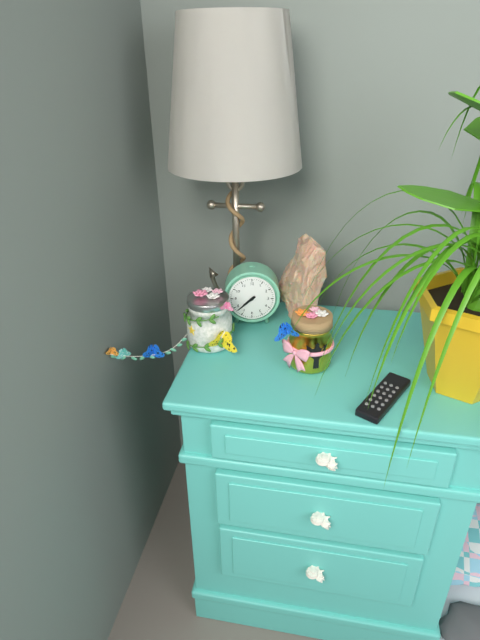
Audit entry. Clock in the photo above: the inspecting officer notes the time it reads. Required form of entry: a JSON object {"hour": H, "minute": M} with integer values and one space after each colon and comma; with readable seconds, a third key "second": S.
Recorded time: {"hour": 7, "minute": 38}
